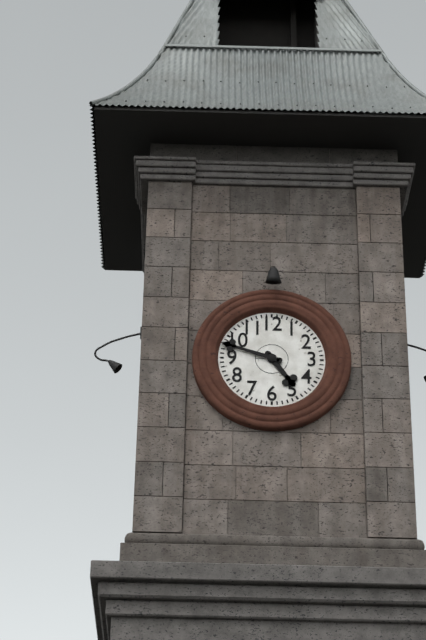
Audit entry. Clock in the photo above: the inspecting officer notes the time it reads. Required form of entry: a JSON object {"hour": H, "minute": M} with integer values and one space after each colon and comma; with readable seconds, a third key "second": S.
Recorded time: {"hour": 4, "minute": 48}
